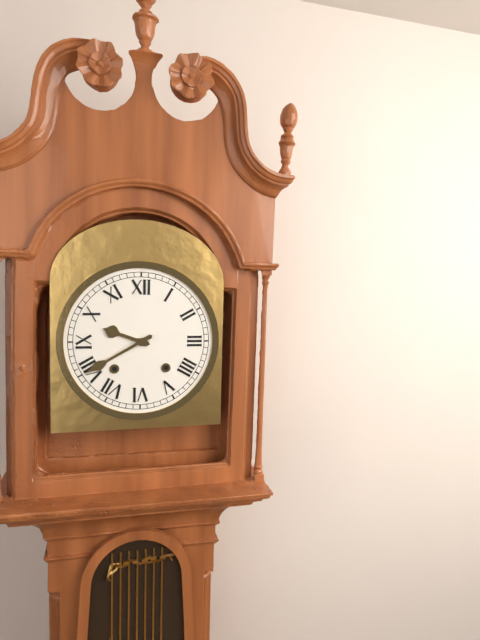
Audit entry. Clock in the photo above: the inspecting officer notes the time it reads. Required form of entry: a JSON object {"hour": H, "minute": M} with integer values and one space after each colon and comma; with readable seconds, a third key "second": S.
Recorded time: {"hour": 9, "minute": 40}
